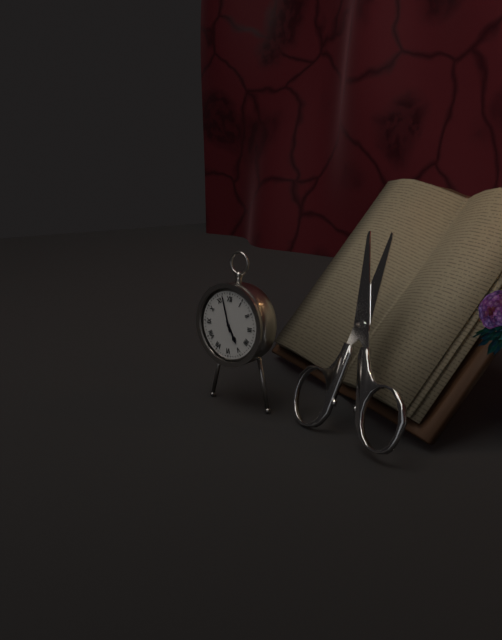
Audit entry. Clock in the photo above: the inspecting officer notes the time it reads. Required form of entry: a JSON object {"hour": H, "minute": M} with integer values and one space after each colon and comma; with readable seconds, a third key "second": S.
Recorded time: {"hour": 4, "minute": 57}
